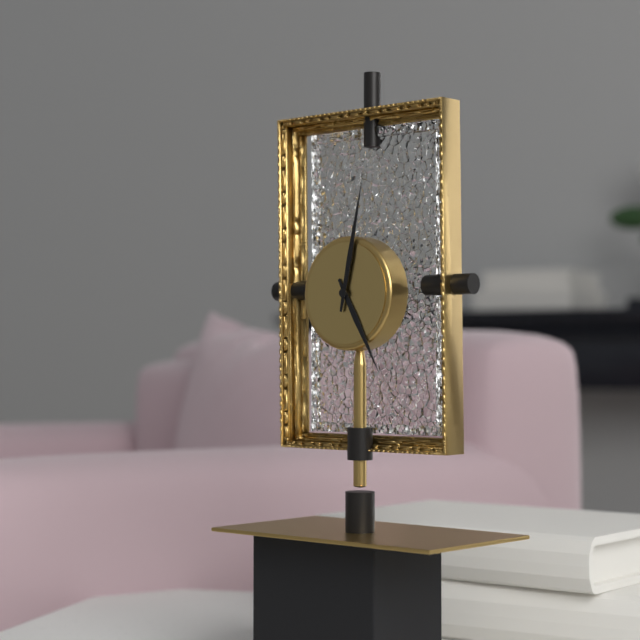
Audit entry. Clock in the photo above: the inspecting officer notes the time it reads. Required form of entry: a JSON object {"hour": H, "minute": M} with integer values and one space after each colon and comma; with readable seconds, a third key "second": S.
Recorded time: {"hour": 5, "minute": 2}
